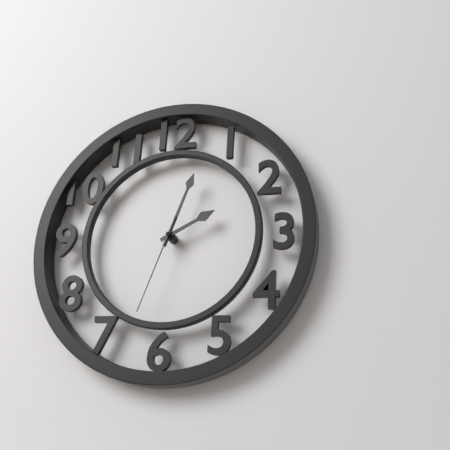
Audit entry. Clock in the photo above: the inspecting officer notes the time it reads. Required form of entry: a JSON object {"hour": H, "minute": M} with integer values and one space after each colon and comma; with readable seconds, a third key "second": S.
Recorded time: {"hour": 2, "minute": 3, "second": 33}
